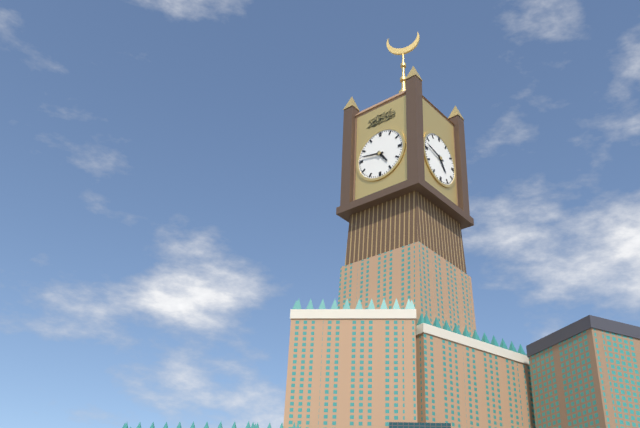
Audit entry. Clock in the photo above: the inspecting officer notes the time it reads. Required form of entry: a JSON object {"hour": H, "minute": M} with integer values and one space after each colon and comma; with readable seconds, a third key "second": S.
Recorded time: {"hour": 4, "minute": 47}
